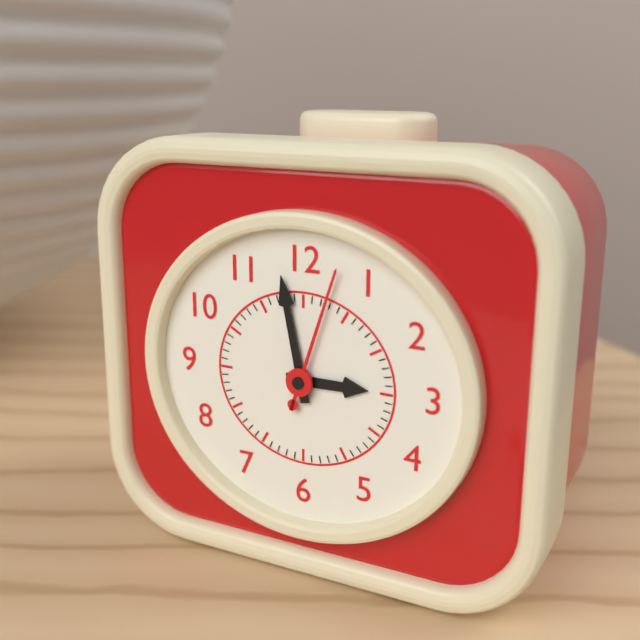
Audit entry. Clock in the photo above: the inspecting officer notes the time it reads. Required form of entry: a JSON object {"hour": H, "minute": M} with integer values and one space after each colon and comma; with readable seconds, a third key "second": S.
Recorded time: {"hour": 2, "minute": 58, "second": 3}
